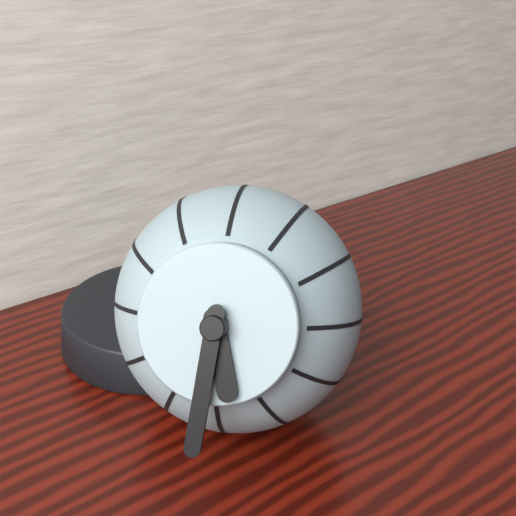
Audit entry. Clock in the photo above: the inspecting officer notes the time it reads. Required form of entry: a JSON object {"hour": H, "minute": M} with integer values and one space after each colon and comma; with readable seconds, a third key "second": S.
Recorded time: {"hour": 5, "minute": 31}
